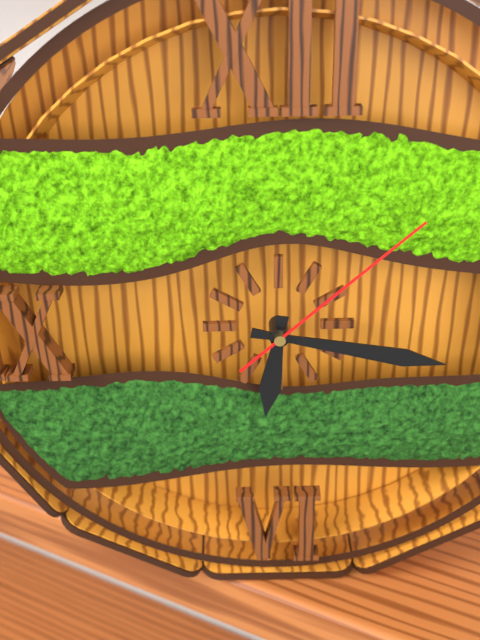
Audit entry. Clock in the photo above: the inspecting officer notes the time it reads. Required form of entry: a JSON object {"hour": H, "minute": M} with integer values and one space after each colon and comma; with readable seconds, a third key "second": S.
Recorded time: {"hour": 6, "minute": 17, "second": 8}
